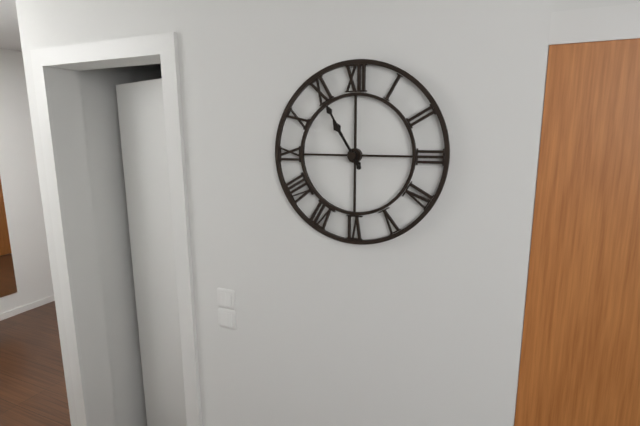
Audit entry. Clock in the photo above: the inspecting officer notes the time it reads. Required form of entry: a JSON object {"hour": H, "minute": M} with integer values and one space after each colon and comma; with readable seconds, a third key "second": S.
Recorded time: {"hour": 10, "minute": 55}
